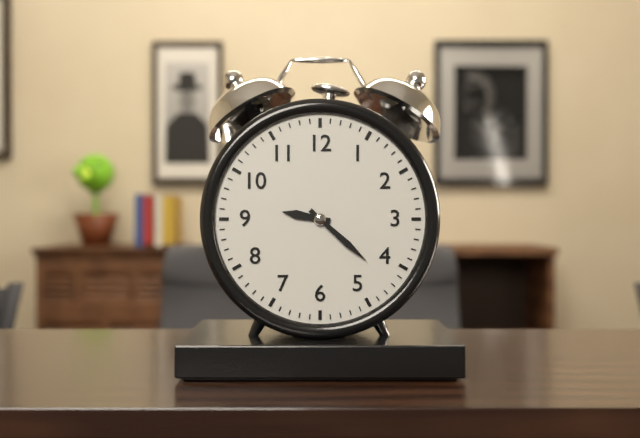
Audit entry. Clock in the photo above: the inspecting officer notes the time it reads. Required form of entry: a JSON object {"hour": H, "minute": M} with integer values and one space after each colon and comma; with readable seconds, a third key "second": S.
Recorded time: {"hour": 9, "minute": 22}
